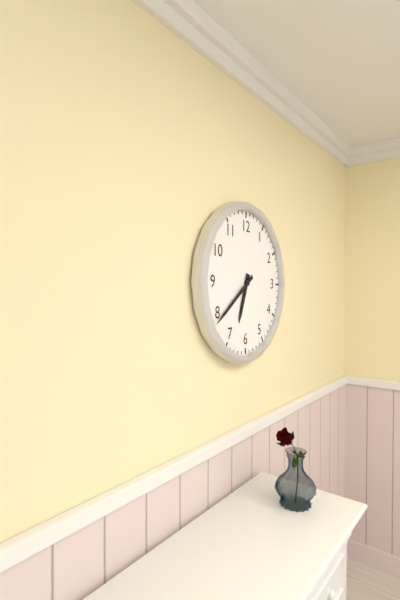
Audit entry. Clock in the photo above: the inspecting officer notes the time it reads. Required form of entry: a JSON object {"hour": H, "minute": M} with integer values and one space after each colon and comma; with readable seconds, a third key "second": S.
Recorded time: {"hour": 6, "minute": 39}
